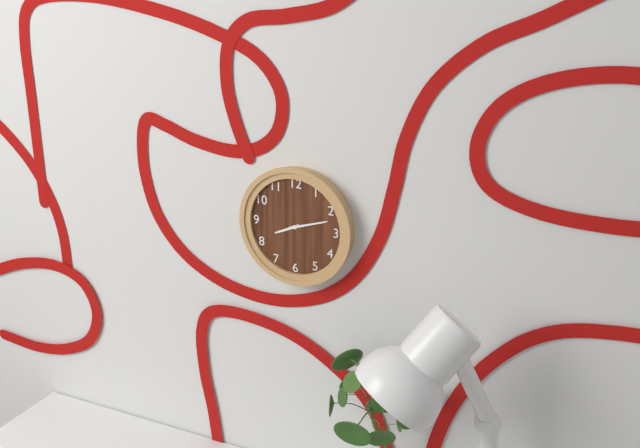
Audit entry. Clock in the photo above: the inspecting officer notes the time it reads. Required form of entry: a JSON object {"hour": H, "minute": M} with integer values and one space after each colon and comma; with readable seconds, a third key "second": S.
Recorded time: {"hour": 8, "minute": 12}
